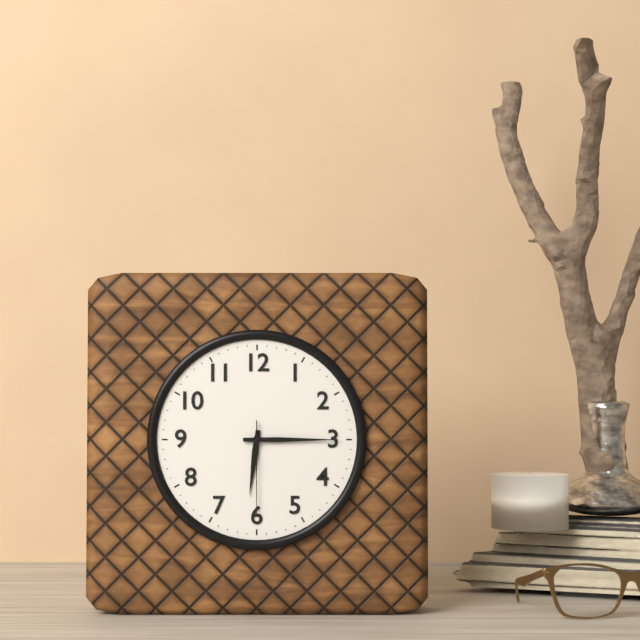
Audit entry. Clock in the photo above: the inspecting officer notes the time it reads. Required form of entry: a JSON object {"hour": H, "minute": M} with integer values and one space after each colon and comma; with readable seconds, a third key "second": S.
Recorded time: {"hour": 6, "minute": 15, "second": 30}
